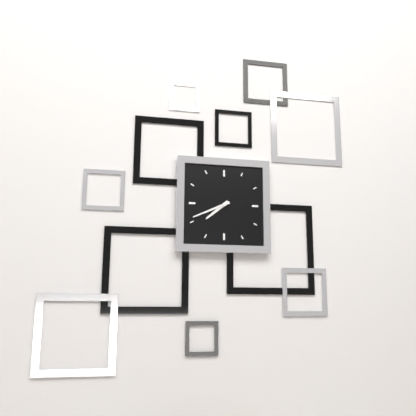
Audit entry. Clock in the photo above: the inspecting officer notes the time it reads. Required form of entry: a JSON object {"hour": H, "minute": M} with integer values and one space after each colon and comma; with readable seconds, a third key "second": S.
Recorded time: {"hour": 7, "minute": 41}
